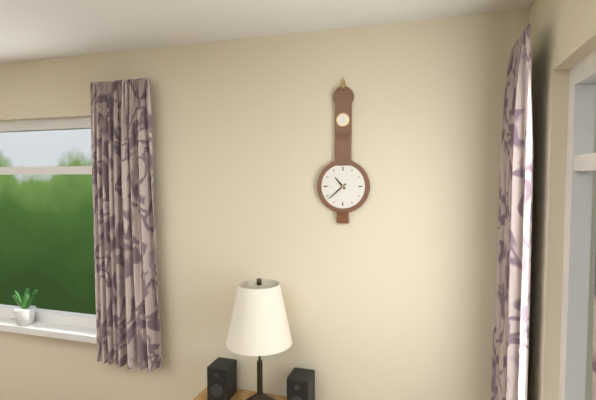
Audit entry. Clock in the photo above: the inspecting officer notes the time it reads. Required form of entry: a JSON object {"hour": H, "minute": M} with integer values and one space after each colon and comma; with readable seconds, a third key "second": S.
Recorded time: {"hour": 10, "minute": 38}
